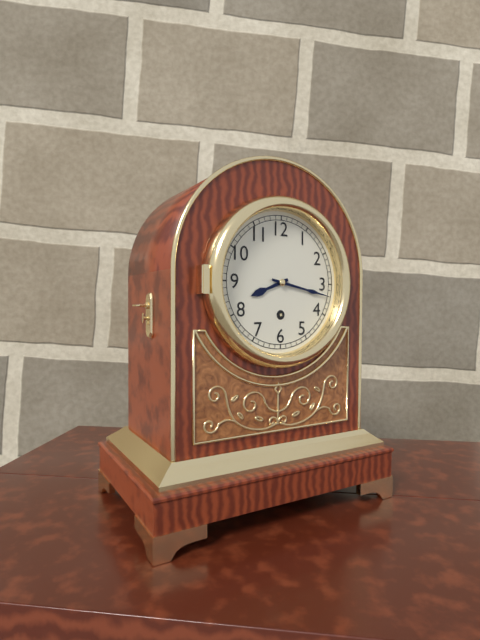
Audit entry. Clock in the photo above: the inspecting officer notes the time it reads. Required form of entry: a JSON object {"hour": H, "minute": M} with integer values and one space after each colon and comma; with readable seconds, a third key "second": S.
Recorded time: {"hour": 8, "minute": 17}
